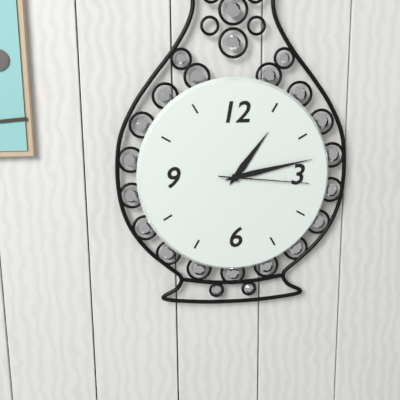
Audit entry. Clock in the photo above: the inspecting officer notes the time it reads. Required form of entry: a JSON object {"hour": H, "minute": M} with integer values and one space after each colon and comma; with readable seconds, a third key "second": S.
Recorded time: {"hour": 1, "minute": 13, "second": 16}
